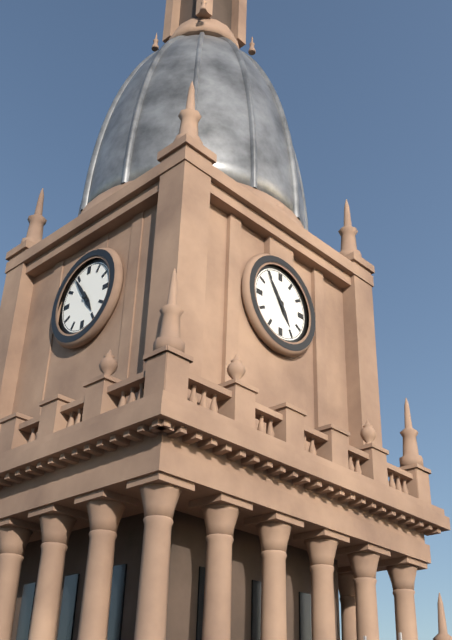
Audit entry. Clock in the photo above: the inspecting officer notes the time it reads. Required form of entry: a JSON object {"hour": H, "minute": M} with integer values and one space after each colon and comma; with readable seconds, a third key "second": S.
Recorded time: {"hour": 4, "minute": 54}
